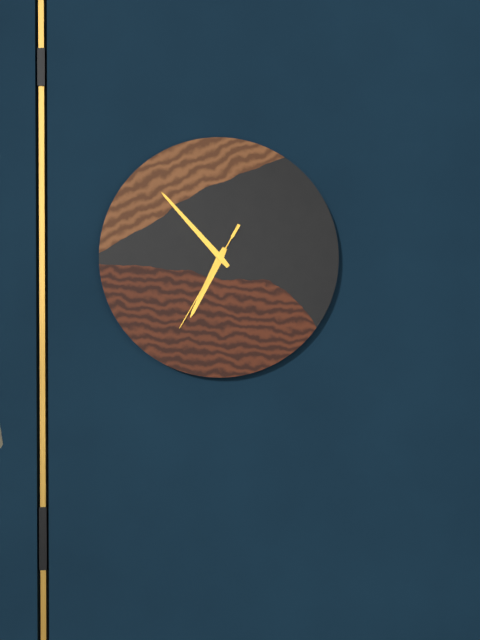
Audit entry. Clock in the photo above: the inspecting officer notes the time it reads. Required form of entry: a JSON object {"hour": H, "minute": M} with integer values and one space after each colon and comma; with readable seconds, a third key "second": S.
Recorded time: {"hour": 6, "minute": 53, "second": 35}
